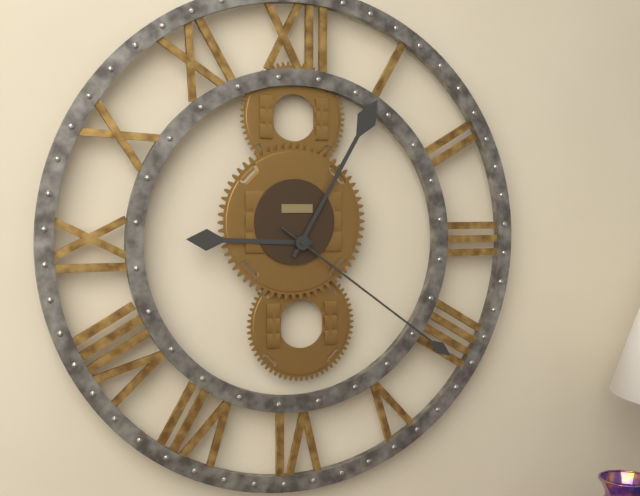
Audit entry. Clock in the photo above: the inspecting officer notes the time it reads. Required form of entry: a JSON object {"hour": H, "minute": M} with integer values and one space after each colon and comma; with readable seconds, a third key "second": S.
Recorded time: {"hour": 9, "minute": 5, "second": 21}
